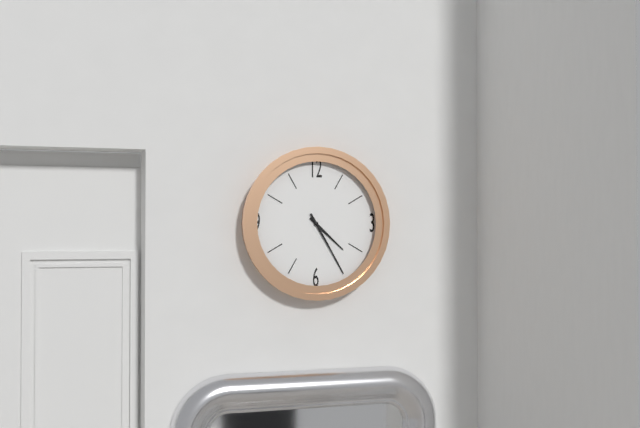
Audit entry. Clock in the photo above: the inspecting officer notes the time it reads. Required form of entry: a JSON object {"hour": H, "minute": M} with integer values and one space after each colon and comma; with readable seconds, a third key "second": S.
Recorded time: {"hour": 4, "minute": 25}
